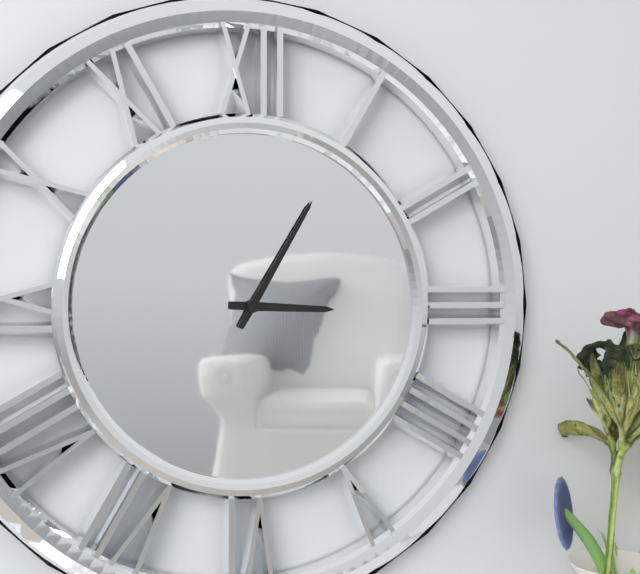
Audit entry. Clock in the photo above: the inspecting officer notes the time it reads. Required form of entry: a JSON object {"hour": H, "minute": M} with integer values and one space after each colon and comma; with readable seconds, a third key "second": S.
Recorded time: {"hour": 3, "minute": 5}
